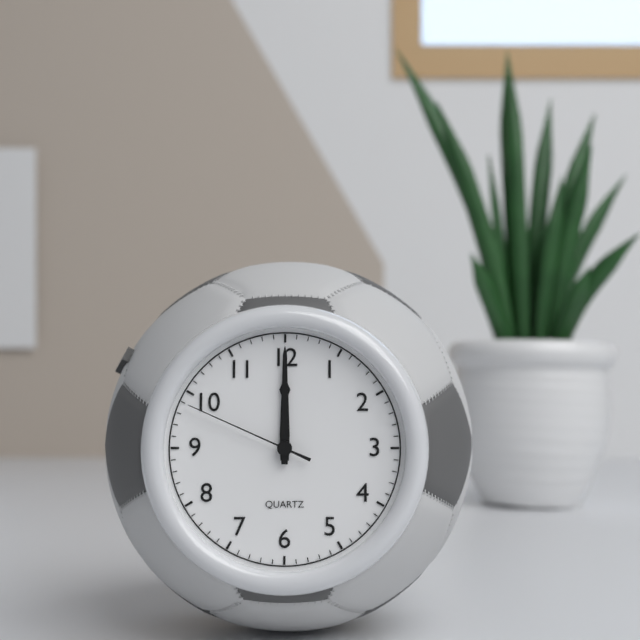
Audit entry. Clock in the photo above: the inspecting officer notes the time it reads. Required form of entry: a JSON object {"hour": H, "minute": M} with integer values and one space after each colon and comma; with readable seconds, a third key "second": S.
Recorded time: {"hour": 12, "minute": 0, "second": 49}
